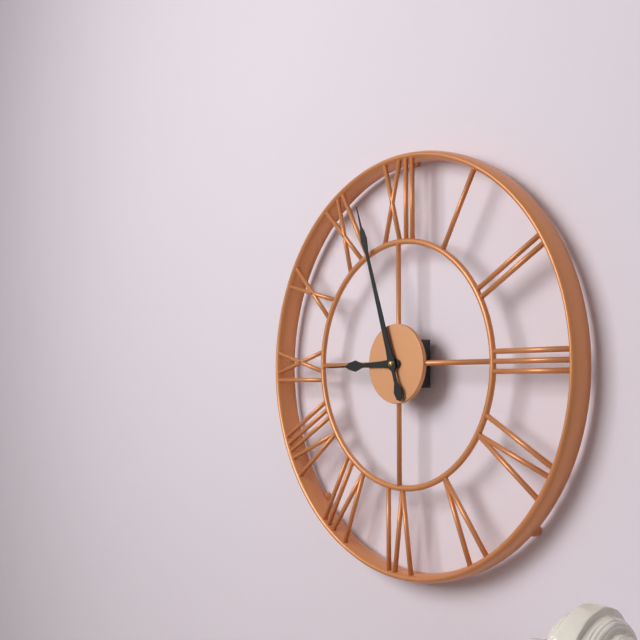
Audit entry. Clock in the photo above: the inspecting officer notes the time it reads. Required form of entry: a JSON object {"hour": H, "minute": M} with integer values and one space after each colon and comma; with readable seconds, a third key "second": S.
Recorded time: {"hour": 8, "minute": 57}
